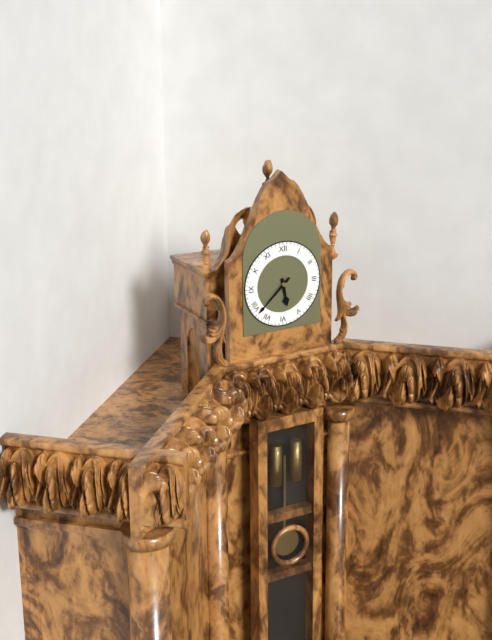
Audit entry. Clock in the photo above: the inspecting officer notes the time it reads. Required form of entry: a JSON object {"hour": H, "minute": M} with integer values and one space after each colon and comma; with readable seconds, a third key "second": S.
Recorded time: {"hour": 5, "minute": 38}
